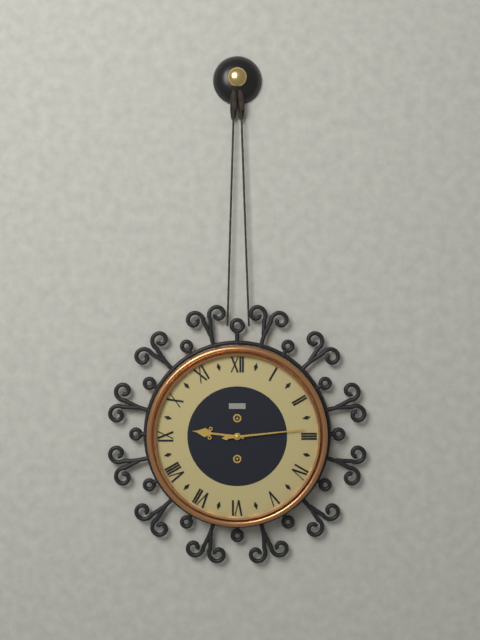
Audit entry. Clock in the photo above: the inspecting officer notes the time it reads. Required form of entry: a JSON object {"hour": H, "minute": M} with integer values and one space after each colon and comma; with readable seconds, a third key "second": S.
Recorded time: {"hour": 9, "minute": 14}
